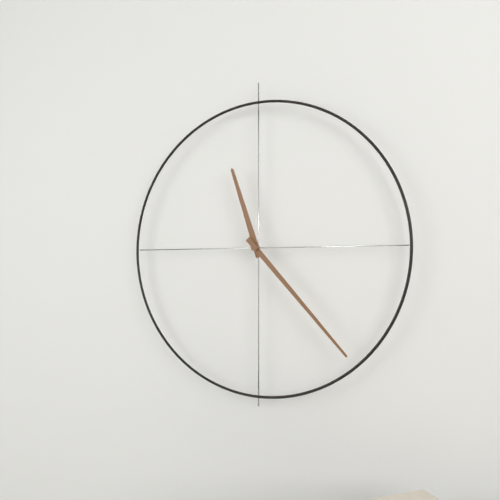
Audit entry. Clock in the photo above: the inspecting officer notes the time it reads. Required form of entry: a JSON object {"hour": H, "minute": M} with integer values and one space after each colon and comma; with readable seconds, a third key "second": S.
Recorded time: {"hour": 11, "minute": 23}
